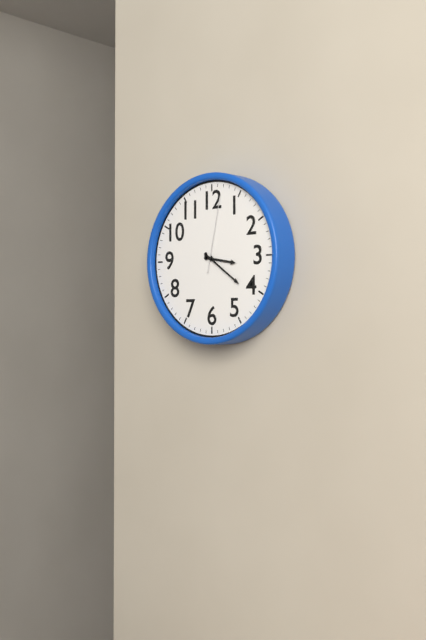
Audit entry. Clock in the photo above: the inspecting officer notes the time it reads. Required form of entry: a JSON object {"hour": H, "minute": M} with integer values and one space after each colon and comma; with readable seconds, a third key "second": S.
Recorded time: {"hour": 3, "minute": 21, "second": 2}
